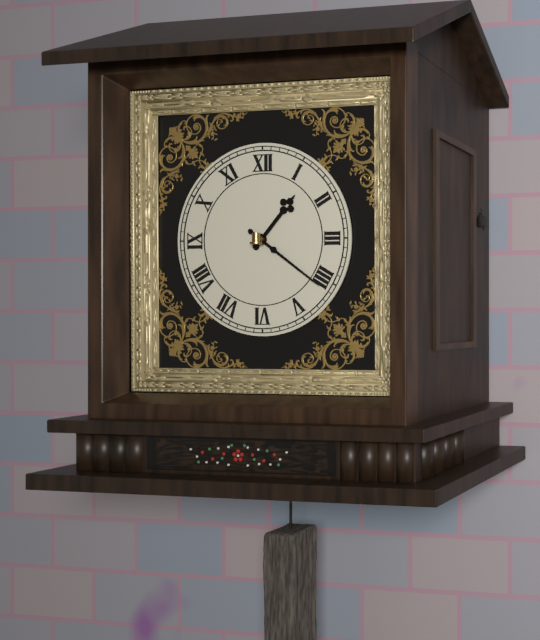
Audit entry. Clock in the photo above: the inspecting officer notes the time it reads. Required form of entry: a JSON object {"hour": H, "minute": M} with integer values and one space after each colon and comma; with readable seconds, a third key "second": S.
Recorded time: {"hour": 1, "minute": 21}
